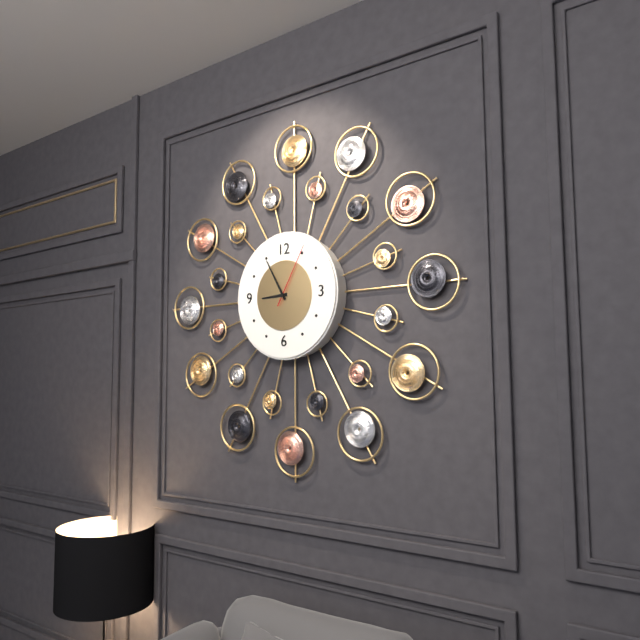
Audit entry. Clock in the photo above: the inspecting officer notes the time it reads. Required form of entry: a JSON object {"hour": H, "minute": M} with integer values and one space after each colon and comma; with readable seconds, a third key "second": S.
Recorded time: {"hour": 8, "minute": 55, "second": 5}
